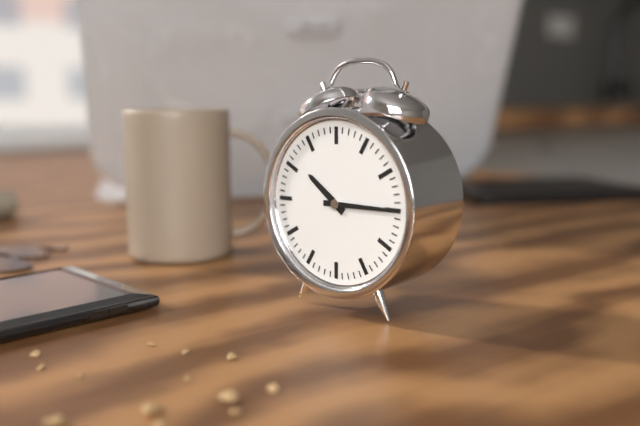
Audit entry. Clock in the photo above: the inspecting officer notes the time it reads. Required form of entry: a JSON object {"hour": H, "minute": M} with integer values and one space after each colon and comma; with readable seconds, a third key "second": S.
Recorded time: {"hour": 10, "minute": 15}
